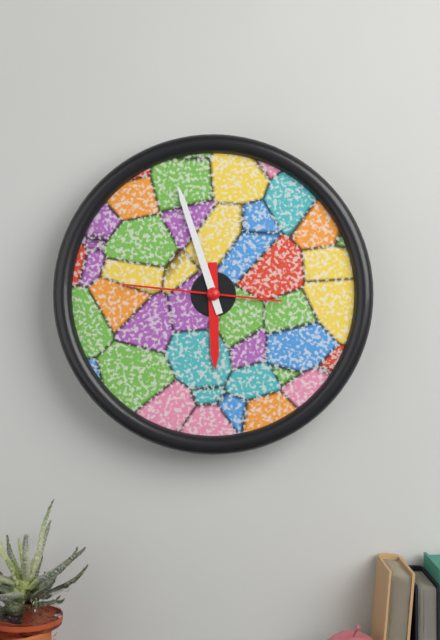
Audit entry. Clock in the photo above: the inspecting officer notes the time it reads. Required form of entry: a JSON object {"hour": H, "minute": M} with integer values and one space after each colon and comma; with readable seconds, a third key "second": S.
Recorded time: {"hour": 5, "minute": 57, "second": 46}
